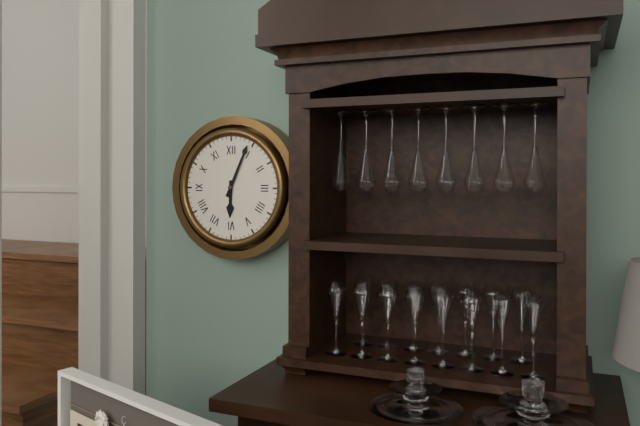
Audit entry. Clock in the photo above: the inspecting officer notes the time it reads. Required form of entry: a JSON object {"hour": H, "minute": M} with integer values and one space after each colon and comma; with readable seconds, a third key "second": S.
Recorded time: {"hour": 6, "minute": 4}
